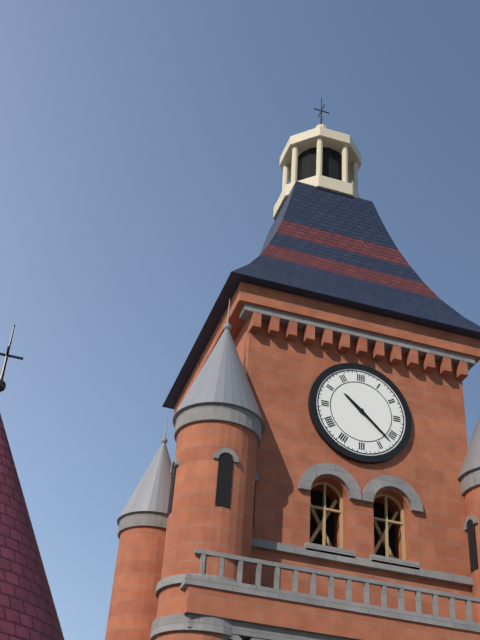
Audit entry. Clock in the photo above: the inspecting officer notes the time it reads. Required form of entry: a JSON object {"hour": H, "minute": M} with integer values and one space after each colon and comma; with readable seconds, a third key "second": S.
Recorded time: {"hour": 10, "minute": 22}
